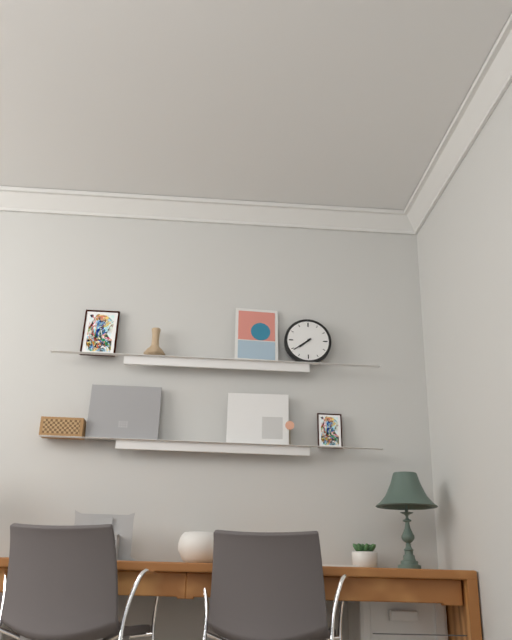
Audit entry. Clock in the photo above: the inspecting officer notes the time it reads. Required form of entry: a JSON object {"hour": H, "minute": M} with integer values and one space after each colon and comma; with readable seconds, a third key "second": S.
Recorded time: {"hour": 7, "minute": 39}
